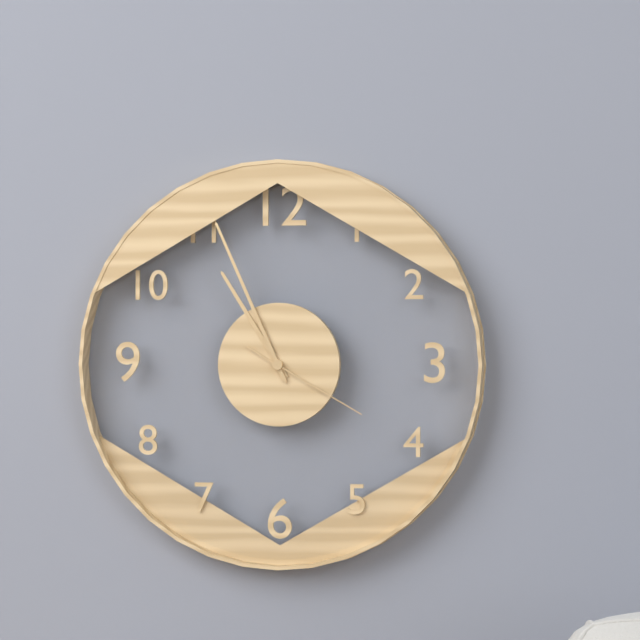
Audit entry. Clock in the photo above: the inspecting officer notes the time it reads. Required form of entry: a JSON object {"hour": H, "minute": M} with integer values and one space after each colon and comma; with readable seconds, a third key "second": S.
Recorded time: {"hour": 10, "minute": 56, "second": 20}
